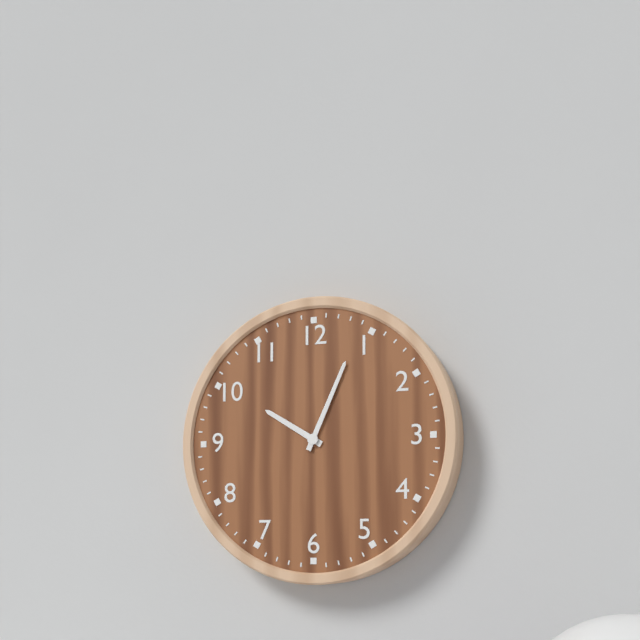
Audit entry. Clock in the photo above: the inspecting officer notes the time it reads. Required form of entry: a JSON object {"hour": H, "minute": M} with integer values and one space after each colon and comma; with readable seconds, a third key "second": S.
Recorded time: {"hour": 10, "minute": 4}
